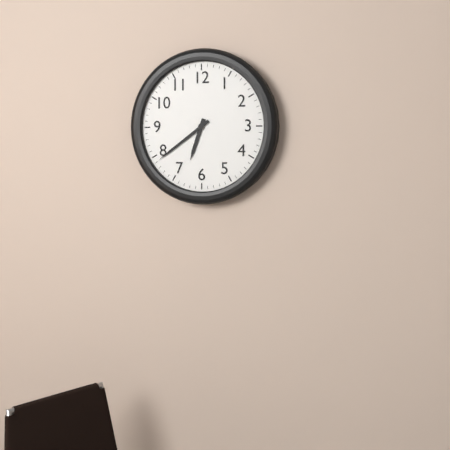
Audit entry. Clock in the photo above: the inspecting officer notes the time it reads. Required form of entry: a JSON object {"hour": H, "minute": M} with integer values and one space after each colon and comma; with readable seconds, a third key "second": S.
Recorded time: {"hour": 6, "minute": 39}
